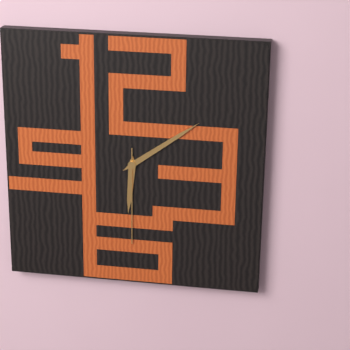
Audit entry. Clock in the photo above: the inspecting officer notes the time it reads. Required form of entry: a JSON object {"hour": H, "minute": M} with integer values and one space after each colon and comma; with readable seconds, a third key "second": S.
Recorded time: {"hour": 6, "minute": 9, "second": 30}
